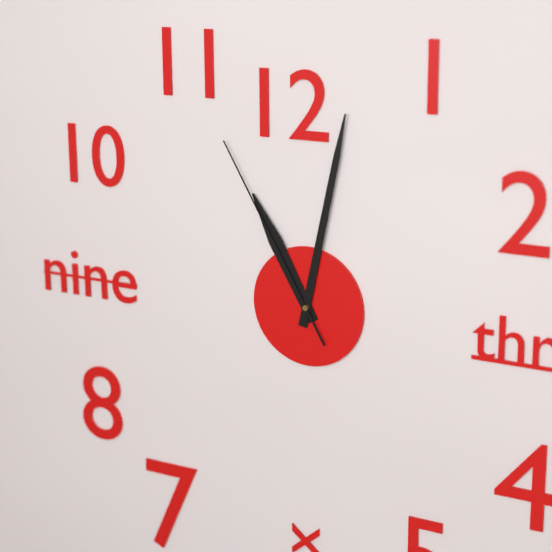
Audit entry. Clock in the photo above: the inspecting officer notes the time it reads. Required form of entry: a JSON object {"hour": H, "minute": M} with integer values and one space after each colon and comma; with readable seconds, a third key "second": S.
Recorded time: {"hour": 11, "minute": 2, "second": 55}
